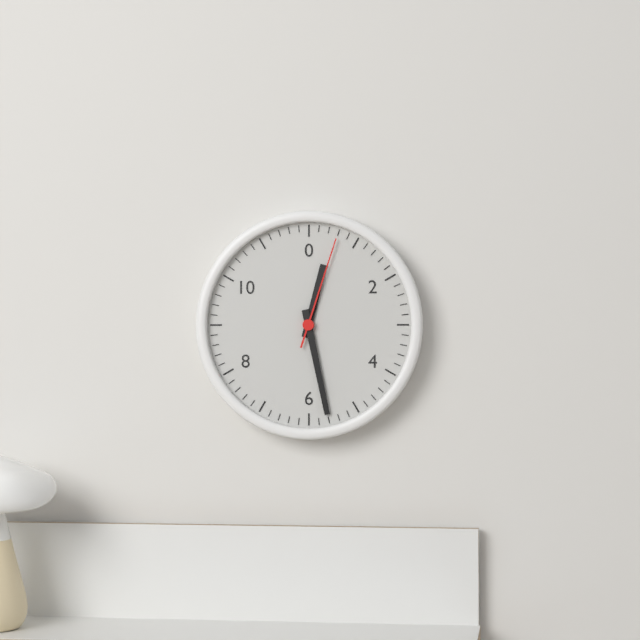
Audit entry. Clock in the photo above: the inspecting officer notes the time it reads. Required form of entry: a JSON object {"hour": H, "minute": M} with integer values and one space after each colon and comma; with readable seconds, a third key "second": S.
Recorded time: {"hour": 12, "minute": 28, "second": 3}
